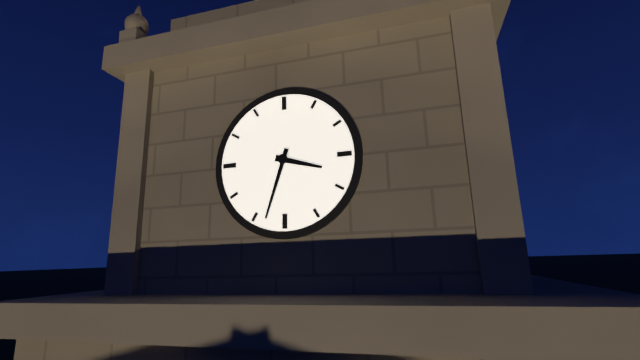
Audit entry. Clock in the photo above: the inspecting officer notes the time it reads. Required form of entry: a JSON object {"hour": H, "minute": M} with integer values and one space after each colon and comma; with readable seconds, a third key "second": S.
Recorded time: {"hour": 3, "minute": 33}
